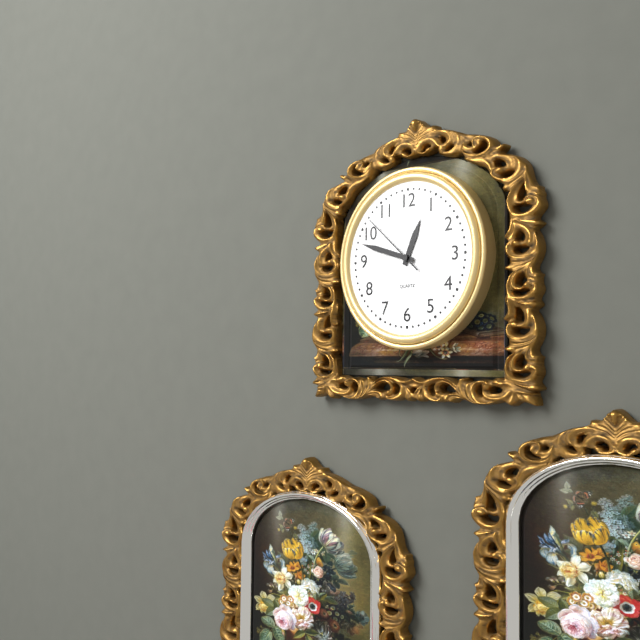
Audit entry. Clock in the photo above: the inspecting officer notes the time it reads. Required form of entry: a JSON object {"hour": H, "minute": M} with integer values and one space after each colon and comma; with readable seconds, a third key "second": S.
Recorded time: {"hour": 12, "minute": 48, "second": 52}
